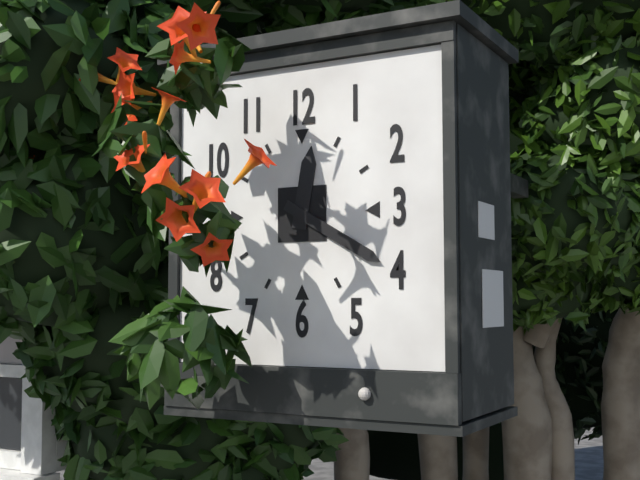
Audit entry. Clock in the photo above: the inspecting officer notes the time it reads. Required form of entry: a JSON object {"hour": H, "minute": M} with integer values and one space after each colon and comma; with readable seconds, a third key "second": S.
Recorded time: {"hour": 12, "minute": 20}
